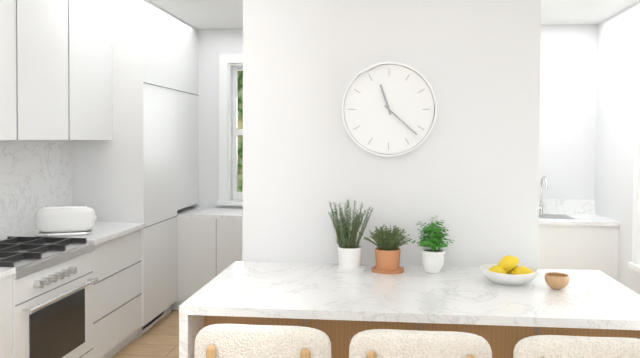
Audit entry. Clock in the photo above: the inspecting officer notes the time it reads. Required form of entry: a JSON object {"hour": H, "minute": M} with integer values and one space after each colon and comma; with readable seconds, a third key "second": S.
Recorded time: {"hour": 11, "minute": 22}
